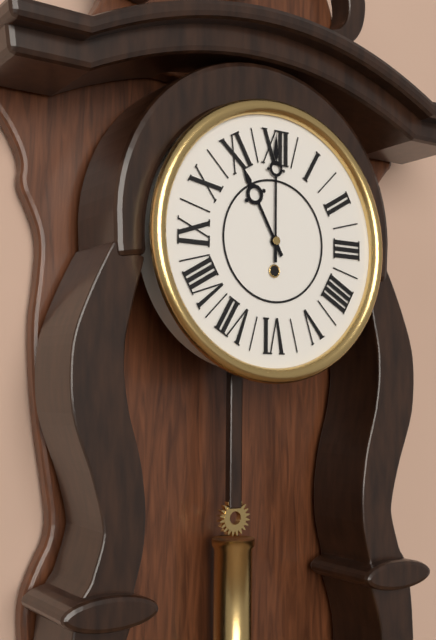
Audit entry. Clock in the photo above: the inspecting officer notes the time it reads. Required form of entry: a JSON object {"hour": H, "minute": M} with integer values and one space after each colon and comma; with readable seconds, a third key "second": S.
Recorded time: {"hour": 11, "minute": 0}
